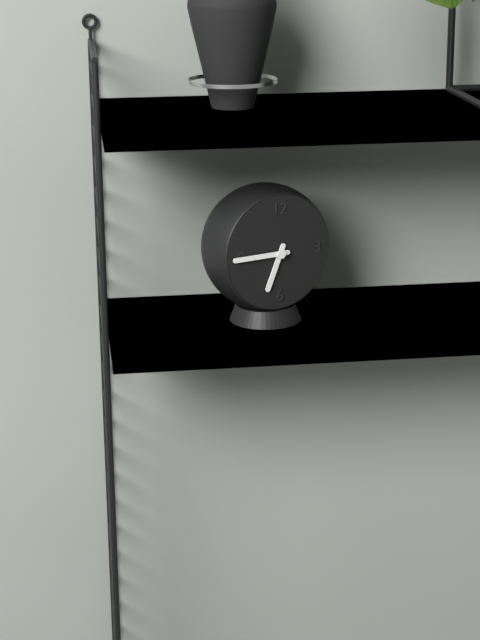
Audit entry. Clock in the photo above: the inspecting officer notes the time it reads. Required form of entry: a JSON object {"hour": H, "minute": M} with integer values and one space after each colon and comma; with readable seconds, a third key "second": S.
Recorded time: {"hour": 6, "minute": 45}
